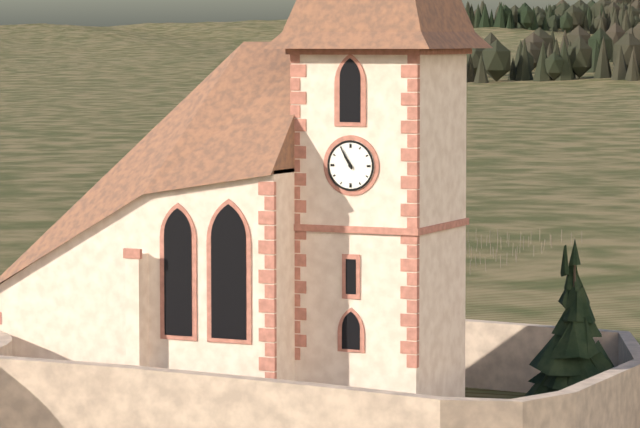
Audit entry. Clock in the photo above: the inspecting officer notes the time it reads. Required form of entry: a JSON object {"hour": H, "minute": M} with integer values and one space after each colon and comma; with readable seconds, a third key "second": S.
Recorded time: {"hour": 10, "minute": 55}
